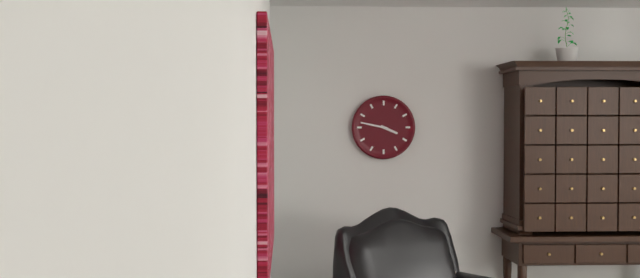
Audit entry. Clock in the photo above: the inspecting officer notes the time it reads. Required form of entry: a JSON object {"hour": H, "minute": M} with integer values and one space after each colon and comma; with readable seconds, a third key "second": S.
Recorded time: {"hour": 3, "minute": 47}
